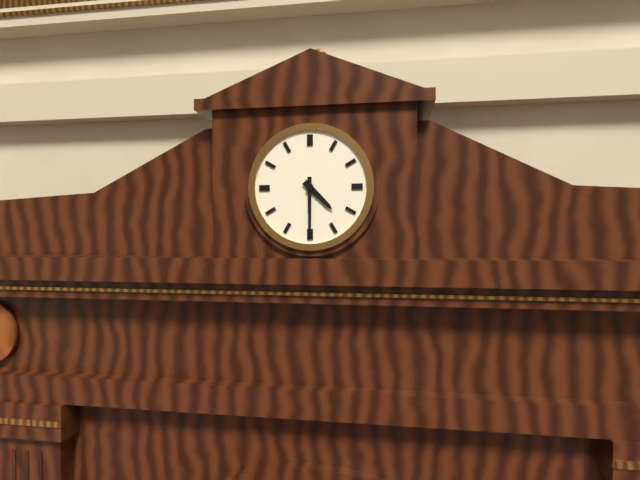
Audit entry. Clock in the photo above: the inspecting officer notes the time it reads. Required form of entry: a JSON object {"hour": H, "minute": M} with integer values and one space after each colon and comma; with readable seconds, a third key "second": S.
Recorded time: {"hour": 4, "minute": 30}
